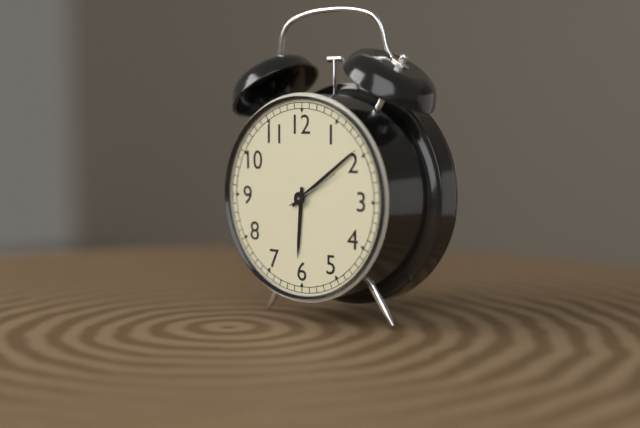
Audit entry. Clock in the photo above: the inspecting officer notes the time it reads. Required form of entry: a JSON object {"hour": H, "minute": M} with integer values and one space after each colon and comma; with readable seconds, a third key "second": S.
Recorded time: {"hour": 6, "minute": 9, "second": 10}
